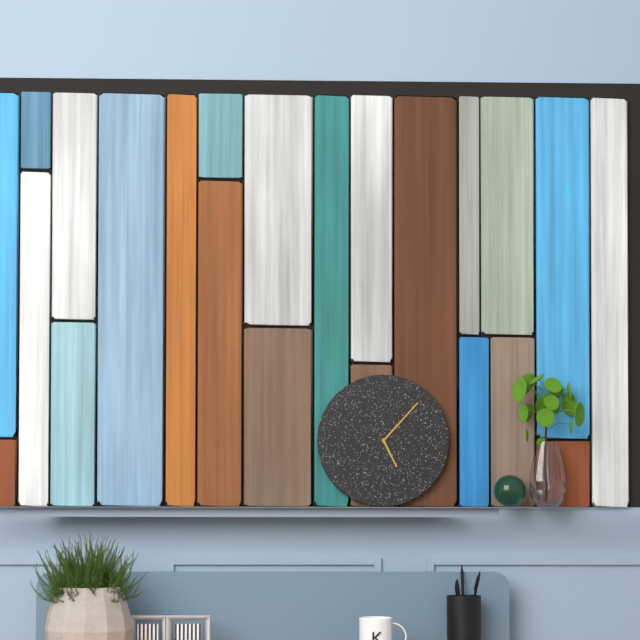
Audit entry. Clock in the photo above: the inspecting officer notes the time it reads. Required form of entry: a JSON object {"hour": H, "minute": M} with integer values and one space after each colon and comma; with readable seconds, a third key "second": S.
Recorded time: {"hour": 5, "minute": 7}
